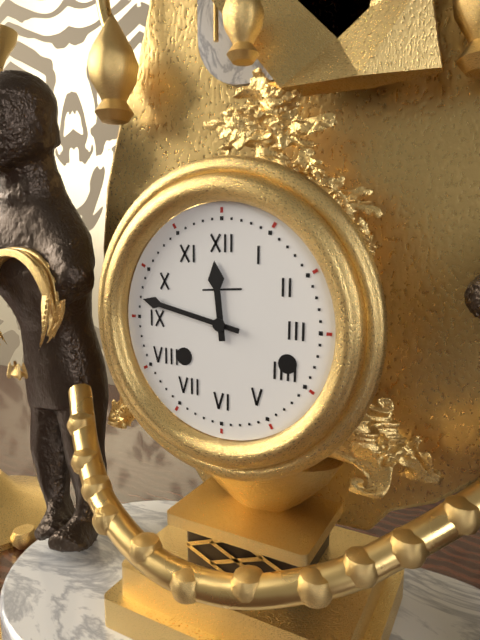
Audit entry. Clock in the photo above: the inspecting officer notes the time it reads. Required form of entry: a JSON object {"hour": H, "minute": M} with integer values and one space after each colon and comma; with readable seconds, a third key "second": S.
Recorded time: {"hour": 11, "minute": 47}
